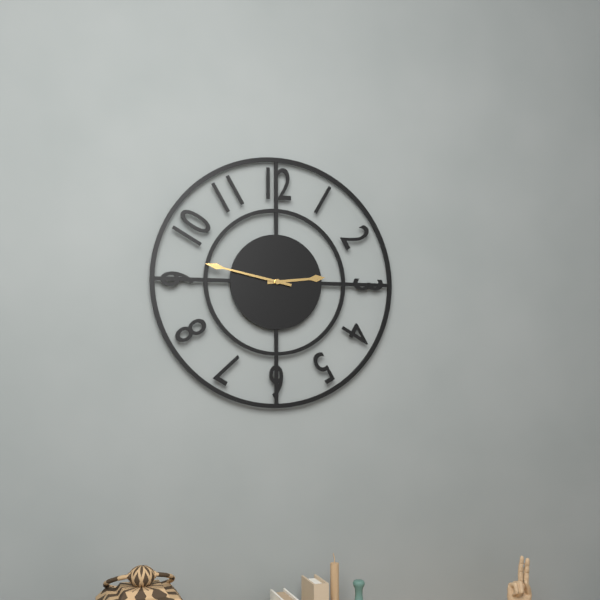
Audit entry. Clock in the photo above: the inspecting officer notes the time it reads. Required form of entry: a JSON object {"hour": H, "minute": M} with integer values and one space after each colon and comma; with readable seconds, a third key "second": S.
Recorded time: {"hour": 2, "minute": 47}
